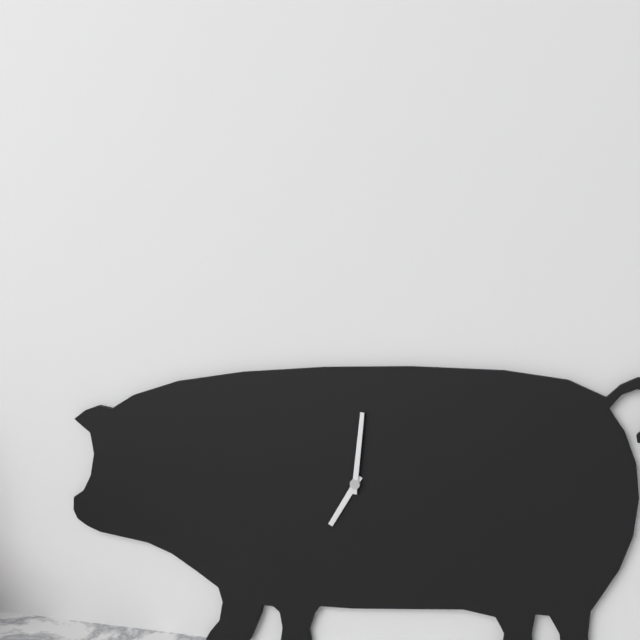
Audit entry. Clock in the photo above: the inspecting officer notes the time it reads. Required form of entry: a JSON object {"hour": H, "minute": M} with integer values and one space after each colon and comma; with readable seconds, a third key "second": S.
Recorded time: {"hour": 7, "minute": 1}
